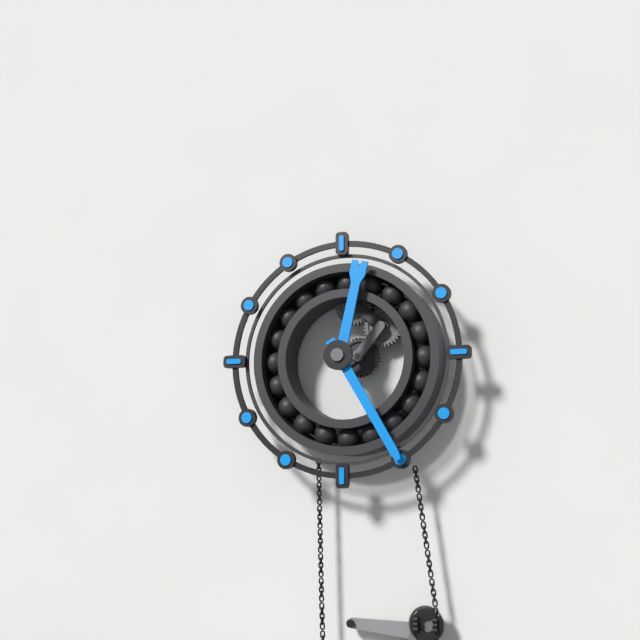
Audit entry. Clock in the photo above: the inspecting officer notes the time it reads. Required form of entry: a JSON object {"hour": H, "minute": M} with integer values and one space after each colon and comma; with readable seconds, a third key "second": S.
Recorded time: {"hour": 12, "minute": 25}
